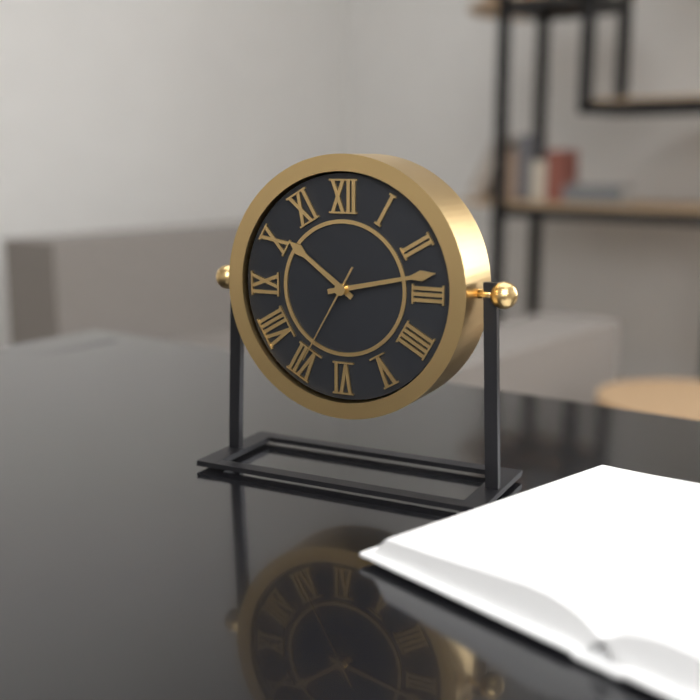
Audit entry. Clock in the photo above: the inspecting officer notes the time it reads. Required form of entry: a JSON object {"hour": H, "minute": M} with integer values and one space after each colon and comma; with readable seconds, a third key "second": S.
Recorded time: {"hour": 10, "minute": 13, "second": 35}
